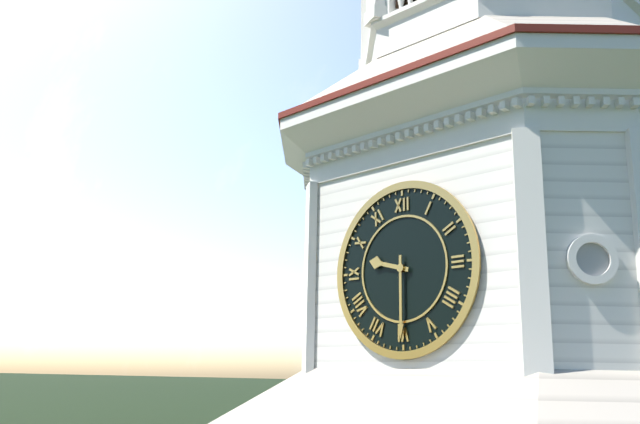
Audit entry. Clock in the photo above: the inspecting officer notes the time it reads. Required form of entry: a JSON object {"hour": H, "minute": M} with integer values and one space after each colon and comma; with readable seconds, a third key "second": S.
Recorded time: {"hour": 9, "minute": 30}
